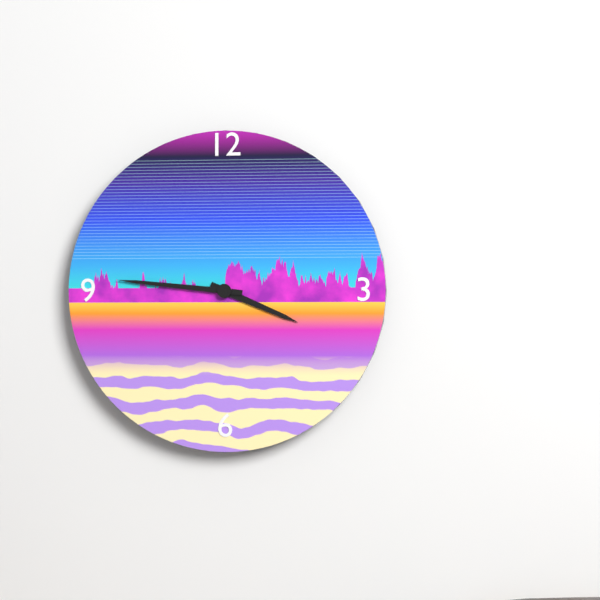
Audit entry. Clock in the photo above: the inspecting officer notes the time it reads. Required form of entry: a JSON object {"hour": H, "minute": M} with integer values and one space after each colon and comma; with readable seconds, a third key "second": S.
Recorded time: {"hour": 3, "minute": 46}
